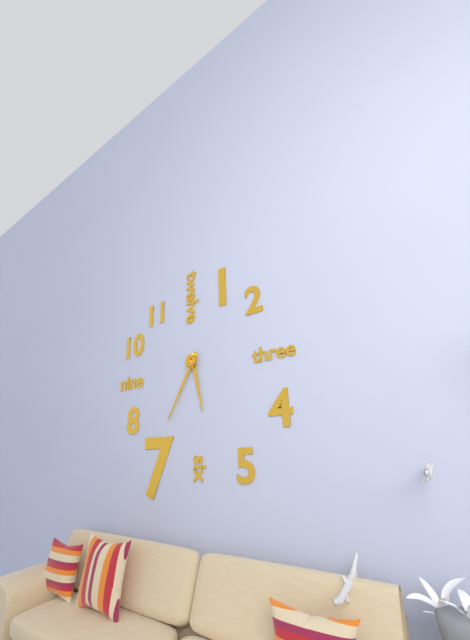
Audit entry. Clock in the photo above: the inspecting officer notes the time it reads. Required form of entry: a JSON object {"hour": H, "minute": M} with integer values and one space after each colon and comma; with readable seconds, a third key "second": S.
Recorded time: {"hour": 5, "minute": 35}
